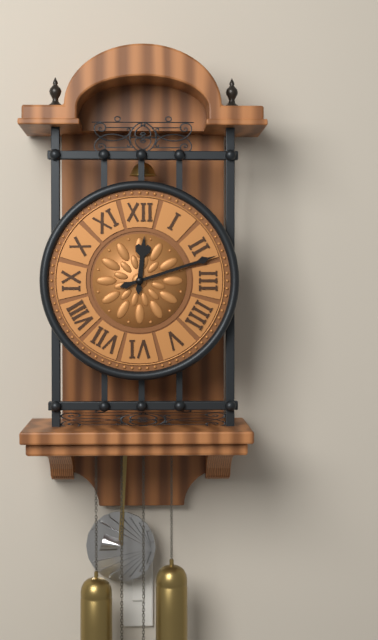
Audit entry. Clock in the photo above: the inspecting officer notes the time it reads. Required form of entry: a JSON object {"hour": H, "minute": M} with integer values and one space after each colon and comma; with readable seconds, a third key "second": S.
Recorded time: {"hour": 12, "minute": 12}
